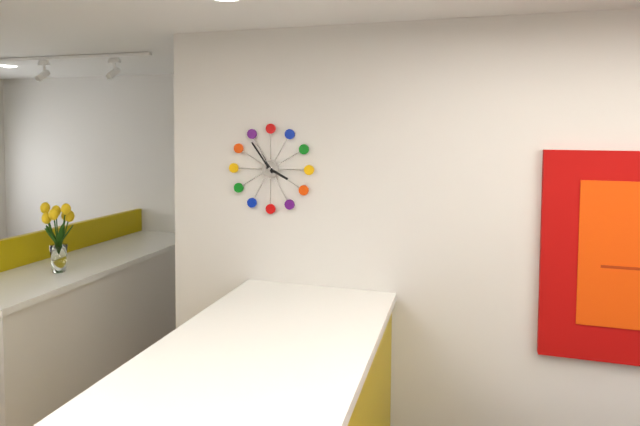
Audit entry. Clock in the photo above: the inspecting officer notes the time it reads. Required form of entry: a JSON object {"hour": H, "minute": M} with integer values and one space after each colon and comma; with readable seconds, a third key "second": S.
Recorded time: {"hour": 3, "minute": 54}
